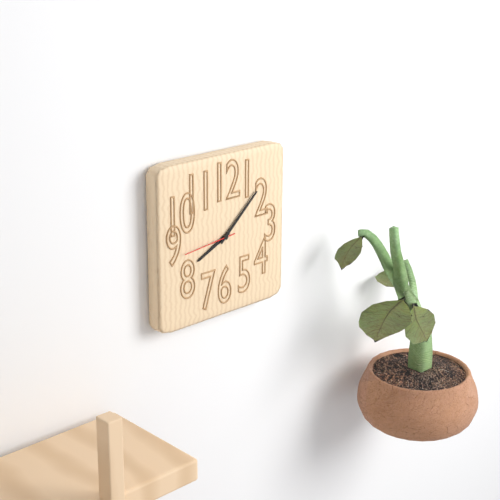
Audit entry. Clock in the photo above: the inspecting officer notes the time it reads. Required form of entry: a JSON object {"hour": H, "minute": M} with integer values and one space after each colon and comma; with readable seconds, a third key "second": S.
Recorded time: {"hour": 8, "minute": 8, "second": 44}
